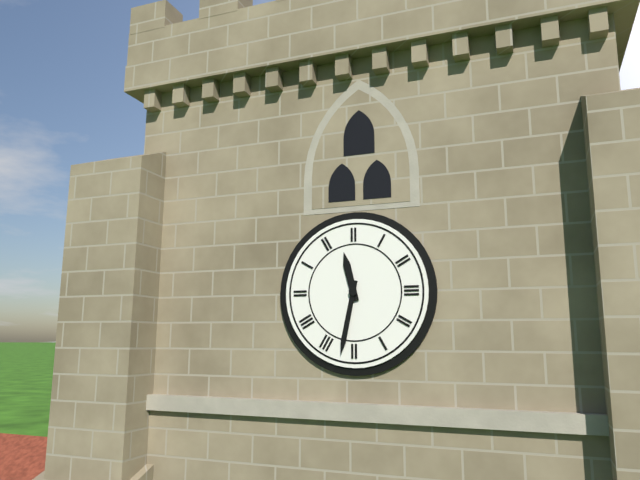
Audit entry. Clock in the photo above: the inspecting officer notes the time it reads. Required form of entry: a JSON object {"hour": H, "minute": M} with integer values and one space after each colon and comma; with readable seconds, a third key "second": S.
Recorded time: {"hour": 11, "minute": 32}
